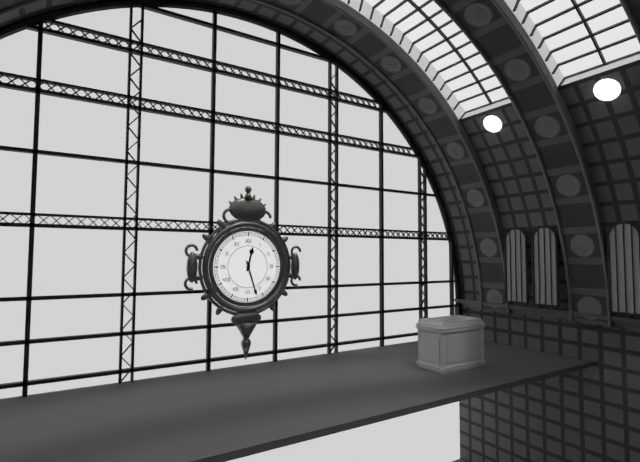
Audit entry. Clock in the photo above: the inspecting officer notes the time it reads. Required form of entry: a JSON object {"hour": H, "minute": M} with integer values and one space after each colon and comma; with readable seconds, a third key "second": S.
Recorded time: {"hour": 12, "minute": 27}
